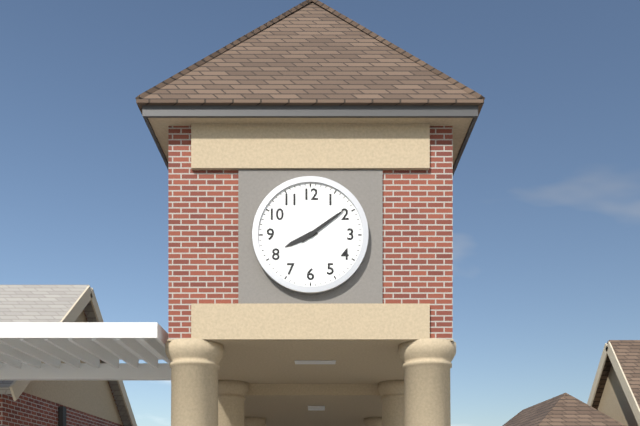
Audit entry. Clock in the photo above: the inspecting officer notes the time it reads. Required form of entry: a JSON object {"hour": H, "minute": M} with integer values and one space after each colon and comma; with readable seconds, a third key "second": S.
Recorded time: {"hour": 8, "minute": 9}
